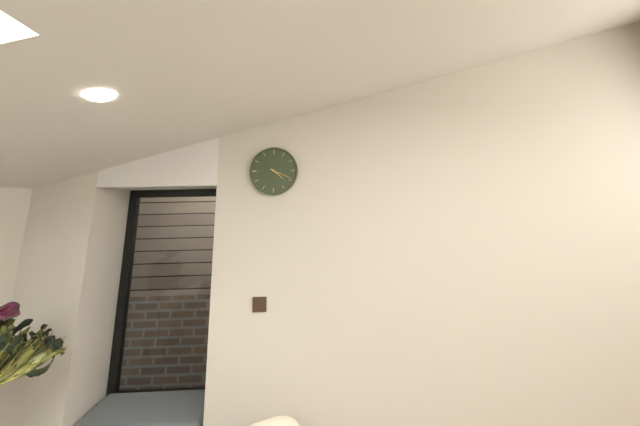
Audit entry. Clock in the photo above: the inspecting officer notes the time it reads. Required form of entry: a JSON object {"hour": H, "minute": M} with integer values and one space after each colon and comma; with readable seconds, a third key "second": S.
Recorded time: {"hour": 4, "minute": 19}
